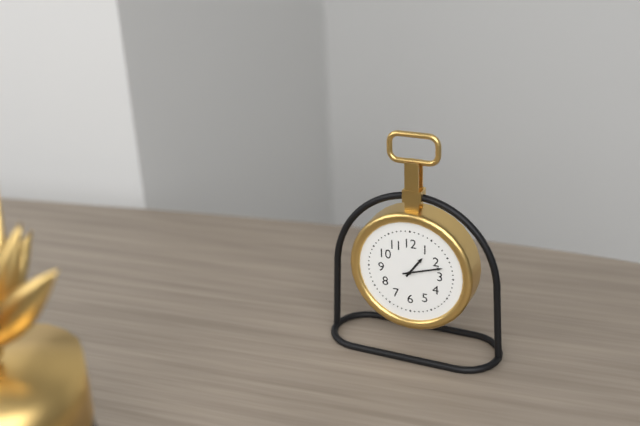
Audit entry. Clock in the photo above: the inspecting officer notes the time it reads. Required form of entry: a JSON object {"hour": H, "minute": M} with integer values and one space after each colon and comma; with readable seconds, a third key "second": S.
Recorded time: {"hour": 1, "minute": 12}
